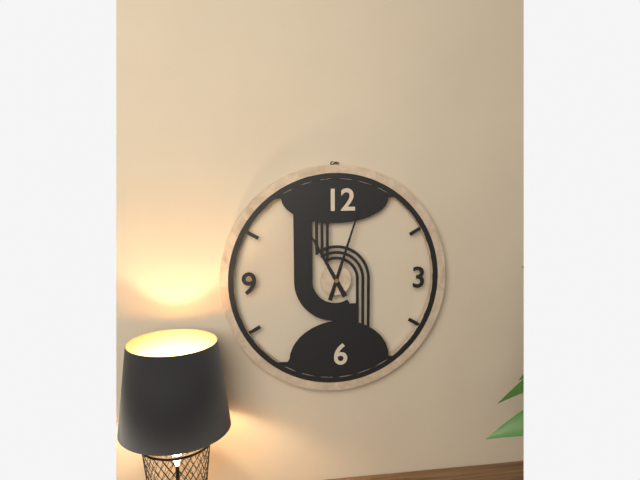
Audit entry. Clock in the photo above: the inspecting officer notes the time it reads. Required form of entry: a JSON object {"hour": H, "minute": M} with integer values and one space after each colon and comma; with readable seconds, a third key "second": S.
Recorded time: {"hour": 11, "minute": 3}
